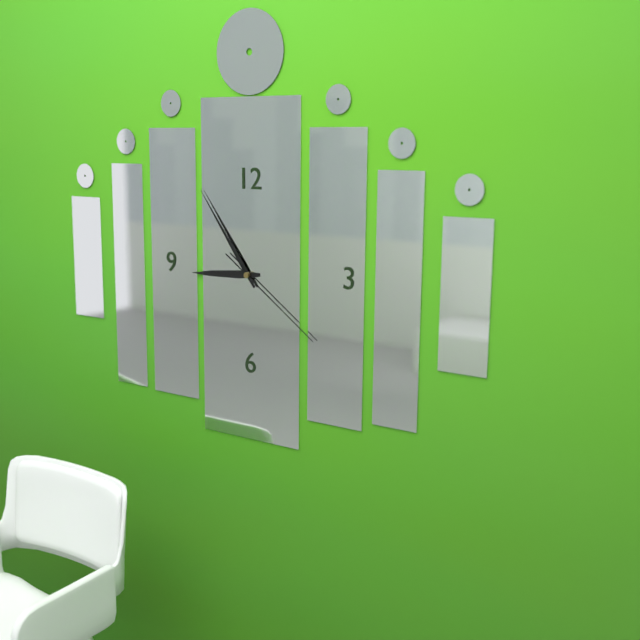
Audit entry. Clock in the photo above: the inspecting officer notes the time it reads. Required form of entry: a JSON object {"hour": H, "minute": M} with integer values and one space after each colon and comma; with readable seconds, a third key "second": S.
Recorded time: {"hour": 8, "minute": 54, "second": 21}
